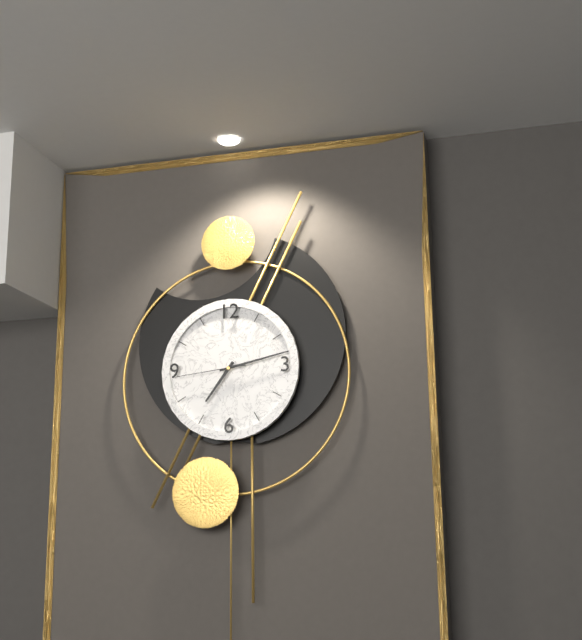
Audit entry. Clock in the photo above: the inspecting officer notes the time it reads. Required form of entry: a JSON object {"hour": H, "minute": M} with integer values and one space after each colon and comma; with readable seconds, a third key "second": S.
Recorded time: {"hour": 7, "minute": 13, "second": 44}
